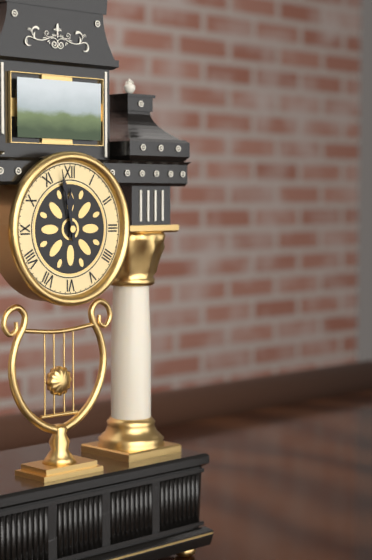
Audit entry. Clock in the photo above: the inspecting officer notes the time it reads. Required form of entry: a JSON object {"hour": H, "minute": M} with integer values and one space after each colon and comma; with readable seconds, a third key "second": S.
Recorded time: {"hour": 11, "minute": 58}
